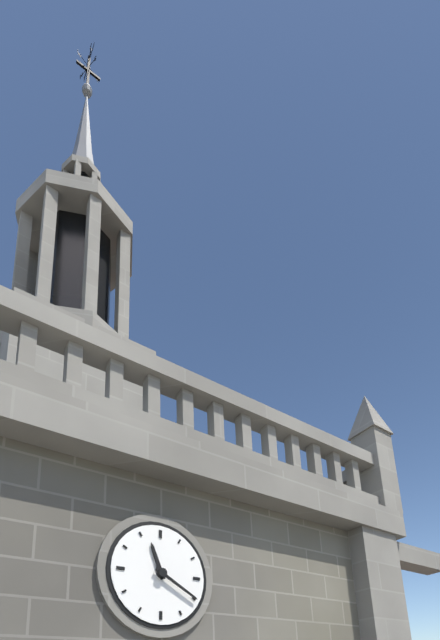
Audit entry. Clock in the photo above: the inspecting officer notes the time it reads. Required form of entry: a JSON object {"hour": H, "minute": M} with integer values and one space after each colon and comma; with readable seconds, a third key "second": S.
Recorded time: {"hour": 11, "minute": 20}
